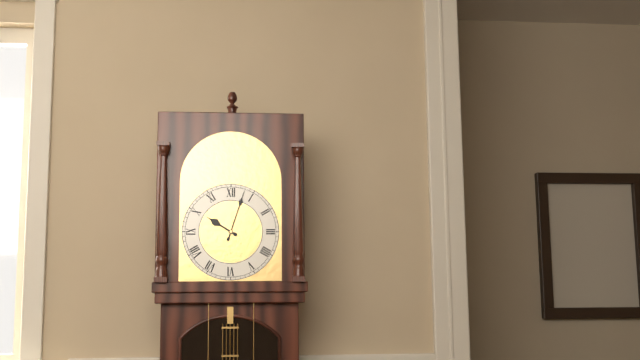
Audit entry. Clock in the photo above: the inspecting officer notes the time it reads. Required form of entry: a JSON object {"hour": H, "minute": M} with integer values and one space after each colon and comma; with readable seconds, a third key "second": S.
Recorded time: {"hour": 10, "minute": 3}
